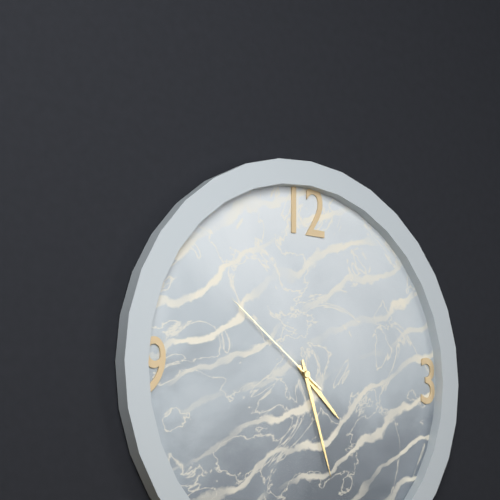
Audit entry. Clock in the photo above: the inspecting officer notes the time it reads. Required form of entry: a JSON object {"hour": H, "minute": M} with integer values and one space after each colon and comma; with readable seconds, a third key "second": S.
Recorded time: {"hour": 4, "minute": 27, "second": 51}
